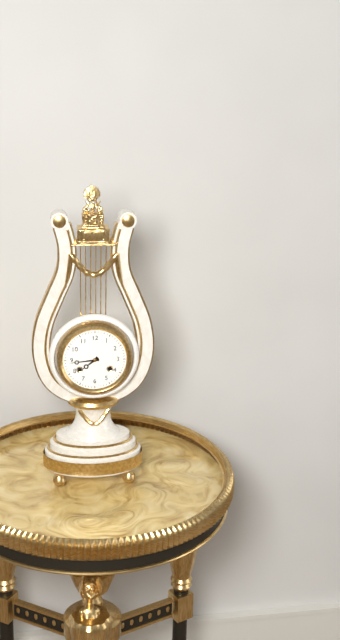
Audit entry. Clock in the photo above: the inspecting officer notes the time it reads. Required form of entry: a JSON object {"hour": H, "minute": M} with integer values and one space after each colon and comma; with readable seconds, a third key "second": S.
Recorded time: {"hour": 7, "minute": 44}
